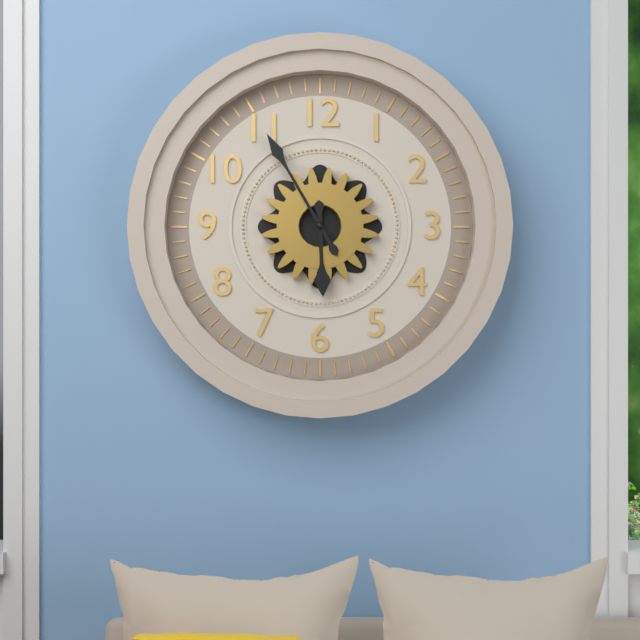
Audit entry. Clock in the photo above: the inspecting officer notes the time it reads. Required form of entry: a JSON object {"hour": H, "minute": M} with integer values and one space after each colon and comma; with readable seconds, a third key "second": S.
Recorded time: {"hour": 5, "minute": 55}
